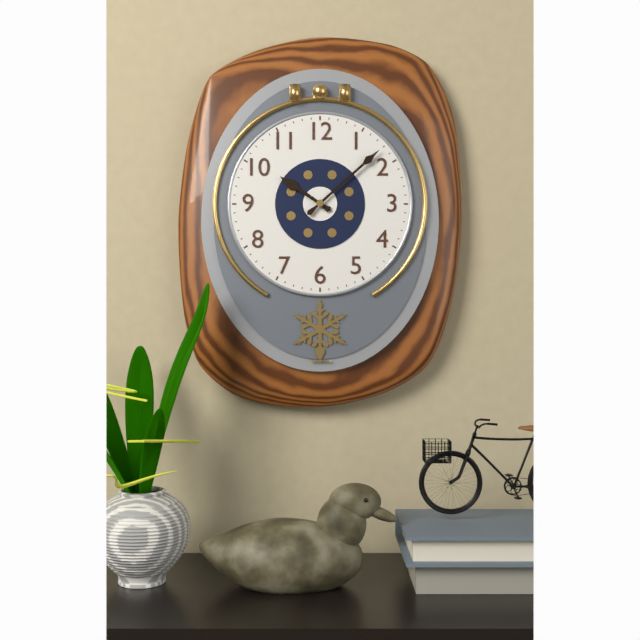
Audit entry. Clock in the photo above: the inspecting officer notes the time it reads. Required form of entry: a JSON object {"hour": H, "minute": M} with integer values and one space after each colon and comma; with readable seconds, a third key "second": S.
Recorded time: {"hour": 10, "minute": 8}
